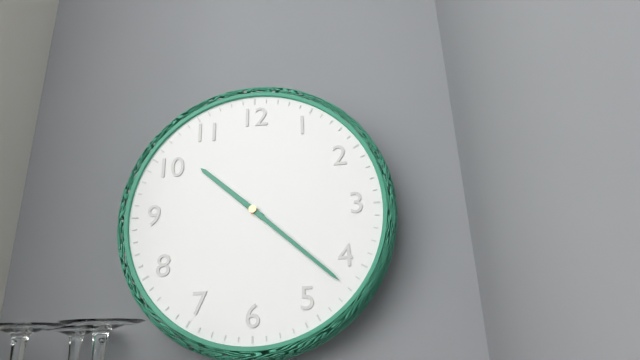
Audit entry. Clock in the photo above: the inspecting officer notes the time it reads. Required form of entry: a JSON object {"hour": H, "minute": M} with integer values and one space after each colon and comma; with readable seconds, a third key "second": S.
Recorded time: {"hour": 10, "minute": 22}
